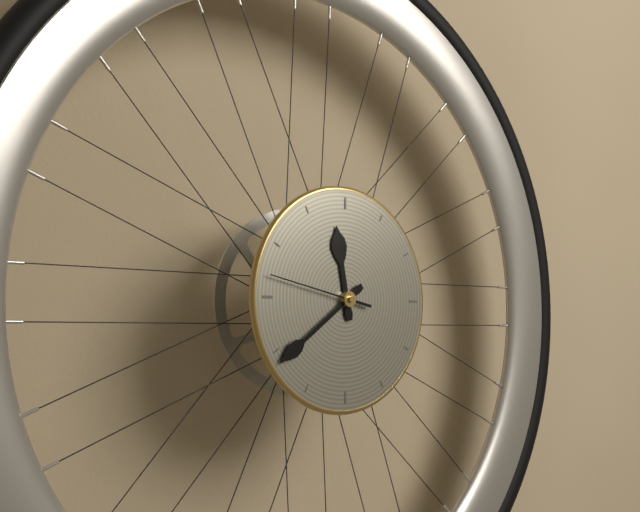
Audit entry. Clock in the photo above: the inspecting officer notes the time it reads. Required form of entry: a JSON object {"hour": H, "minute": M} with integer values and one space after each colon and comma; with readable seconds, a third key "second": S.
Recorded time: {"hour": 11, "minute": 39, "second": 47}
